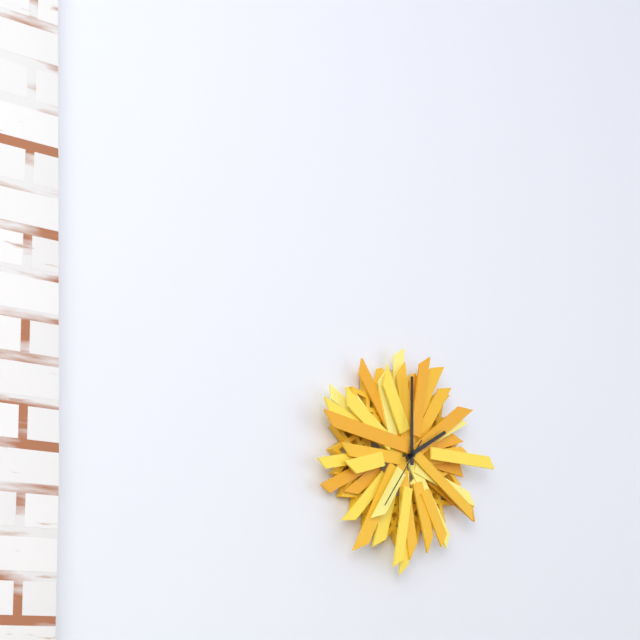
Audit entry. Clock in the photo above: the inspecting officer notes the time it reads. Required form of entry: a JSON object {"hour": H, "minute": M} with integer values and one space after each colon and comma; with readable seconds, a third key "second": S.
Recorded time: {"hour": 2, "minute": 0, "second": 36}
